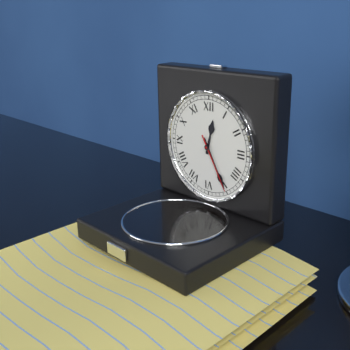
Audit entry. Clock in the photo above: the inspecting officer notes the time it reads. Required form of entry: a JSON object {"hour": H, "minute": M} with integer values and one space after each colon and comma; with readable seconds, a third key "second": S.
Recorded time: {"hour": 12, "minute": 25, "second": 25}
